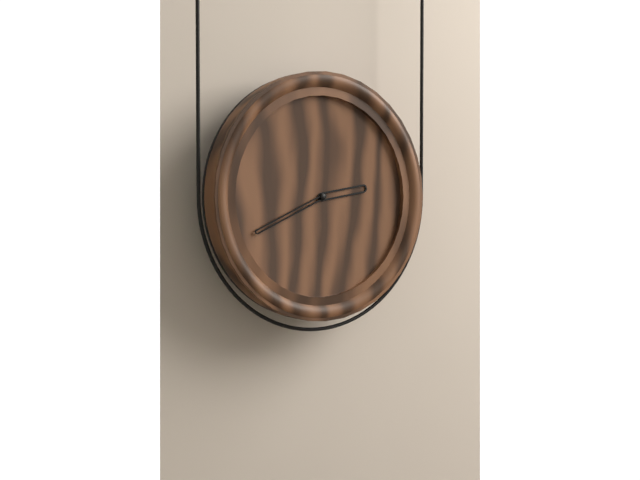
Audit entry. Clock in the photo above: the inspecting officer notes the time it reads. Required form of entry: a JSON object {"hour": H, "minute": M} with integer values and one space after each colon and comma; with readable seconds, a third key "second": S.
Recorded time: {"hour": 2, "minute": 41}
